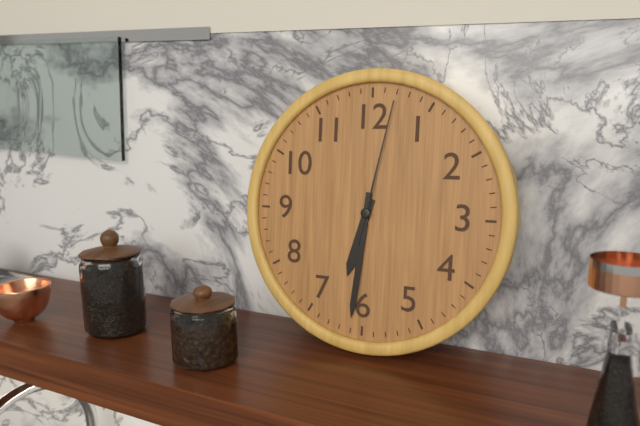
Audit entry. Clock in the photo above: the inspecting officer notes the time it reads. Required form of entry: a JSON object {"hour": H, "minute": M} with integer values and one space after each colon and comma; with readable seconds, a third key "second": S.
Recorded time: {"hour": 6, "minute": 31, "second": 2}
